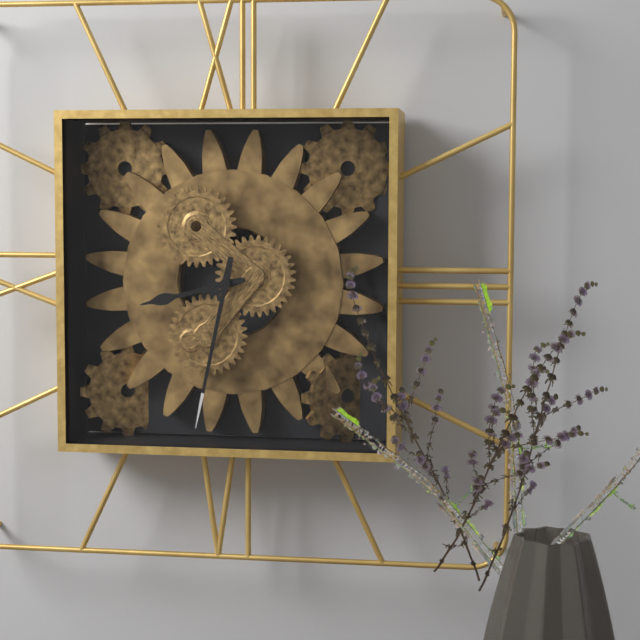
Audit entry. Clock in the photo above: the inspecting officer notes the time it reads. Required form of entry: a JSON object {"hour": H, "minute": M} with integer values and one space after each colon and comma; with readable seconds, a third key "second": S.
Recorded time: {"hour": 8, "minute": 32}
